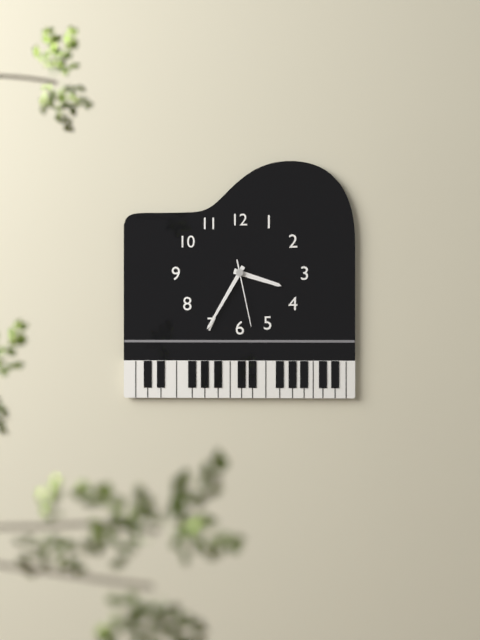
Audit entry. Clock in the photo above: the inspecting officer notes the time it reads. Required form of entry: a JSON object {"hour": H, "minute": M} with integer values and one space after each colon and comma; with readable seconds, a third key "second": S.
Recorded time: {"hour": 3, "minute": 35, "second": 28}
